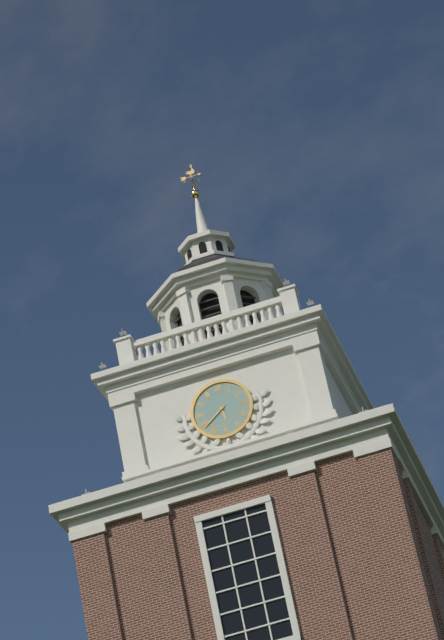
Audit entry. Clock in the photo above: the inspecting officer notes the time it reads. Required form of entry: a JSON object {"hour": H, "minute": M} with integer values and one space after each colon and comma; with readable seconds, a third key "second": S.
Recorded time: {"hour": 5, "minute": 39}
